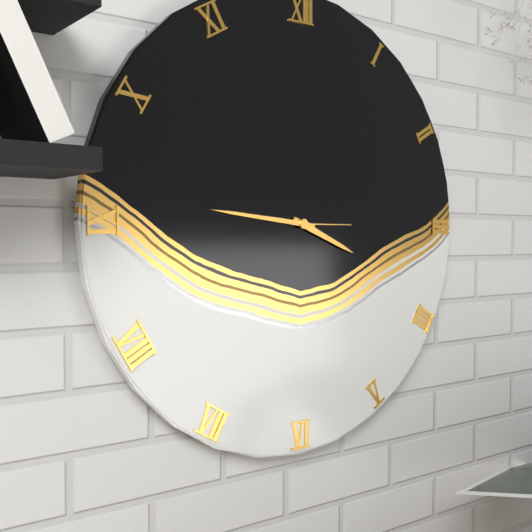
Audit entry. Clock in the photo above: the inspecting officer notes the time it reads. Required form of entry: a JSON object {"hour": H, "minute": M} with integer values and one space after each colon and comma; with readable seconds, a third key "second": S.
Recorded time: {"hour": 3, "minute": 46, "second": 15}
